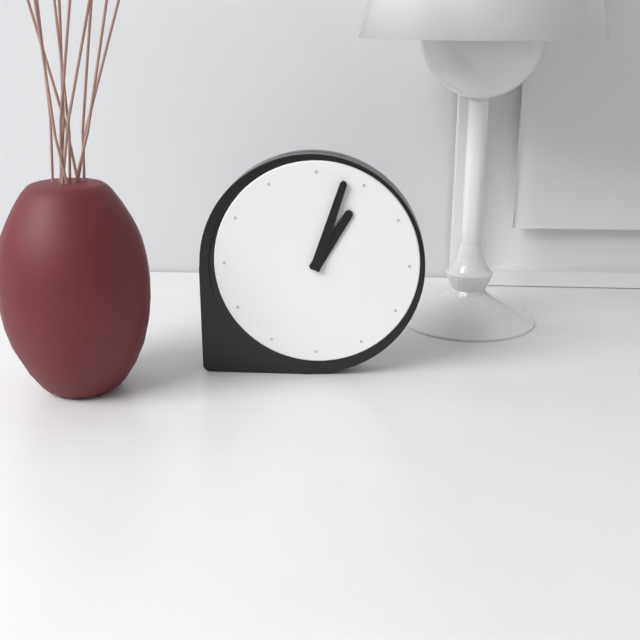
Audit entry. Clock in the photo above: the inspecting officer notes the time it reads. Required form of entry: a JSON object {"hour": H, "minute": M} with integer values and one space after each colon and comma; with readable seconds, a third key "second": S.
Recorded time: {"hour": 1, "minute": 3}
